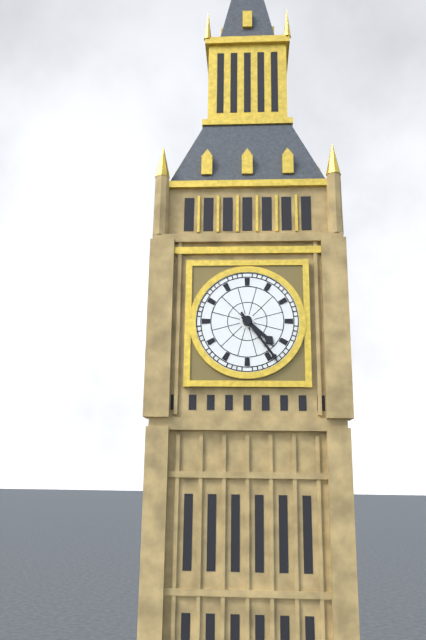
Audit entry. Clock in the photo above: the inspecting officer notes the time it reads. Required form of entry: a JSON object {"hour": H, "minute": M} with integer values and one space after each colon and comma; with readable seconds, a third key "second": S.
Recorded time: {"hour": 4, "minute": 24}
